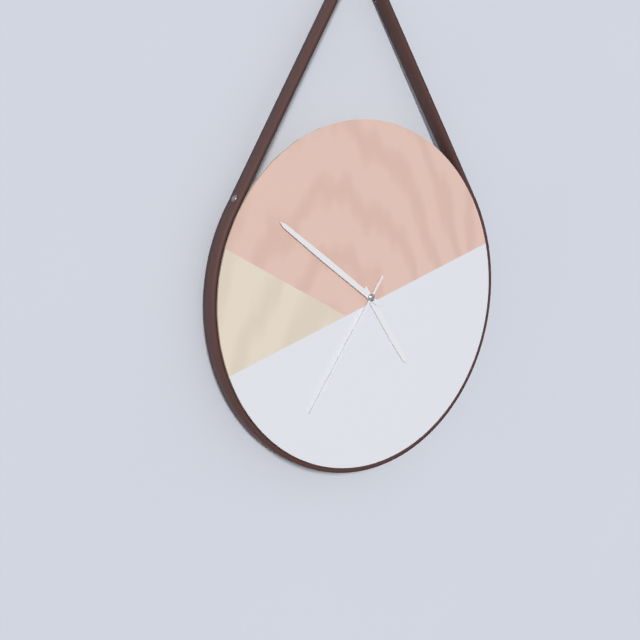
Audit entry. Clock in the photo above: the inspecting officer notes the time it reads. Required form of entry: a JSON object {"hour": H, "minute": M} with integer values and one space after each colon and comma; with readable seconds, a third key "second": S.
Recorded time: {"hour": 4, "minute": 51, "second": 36}
